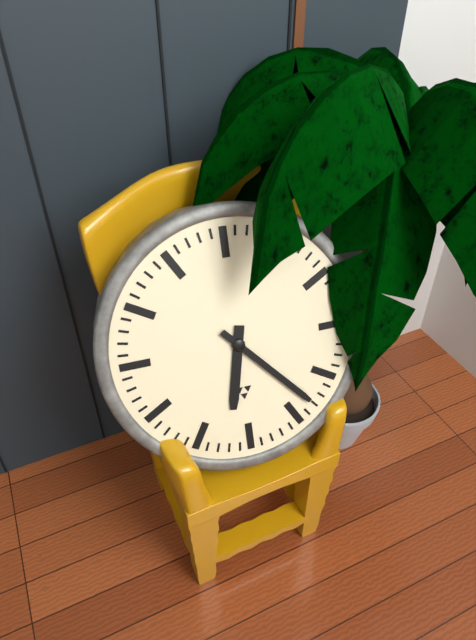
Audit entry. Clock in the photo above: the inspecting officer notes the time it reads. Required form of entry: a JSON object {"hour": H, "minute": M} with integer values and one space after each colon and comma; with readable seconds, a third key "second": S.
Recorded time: {"hour": 6, "minute": 23}
